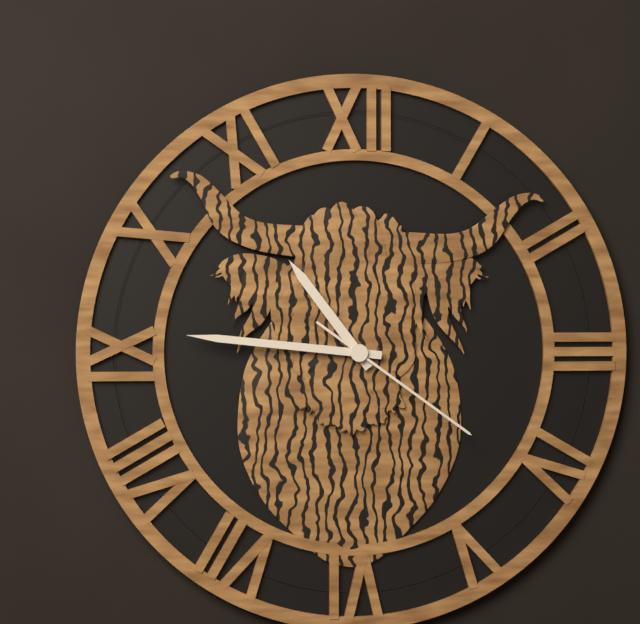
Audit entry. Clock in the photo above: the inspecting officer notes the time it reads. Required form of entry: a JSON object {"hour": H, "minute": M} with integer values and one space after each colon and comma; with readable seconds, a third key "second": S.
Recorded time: {"hour": 10, "minute": 46, "second": 21}
